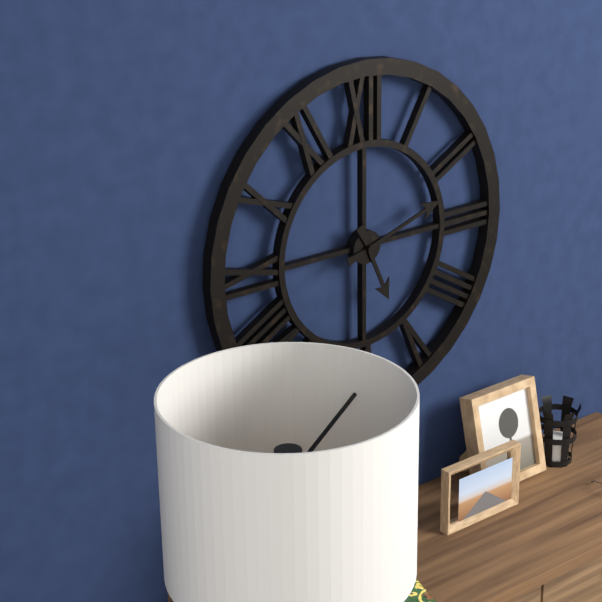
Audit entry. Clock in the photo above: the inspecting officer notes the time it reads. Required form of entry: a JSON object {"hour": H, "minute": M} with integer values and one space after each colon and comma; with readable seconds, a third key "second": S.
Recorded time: {"hour": 5, "minute": 12}
